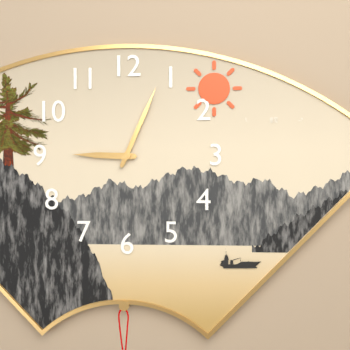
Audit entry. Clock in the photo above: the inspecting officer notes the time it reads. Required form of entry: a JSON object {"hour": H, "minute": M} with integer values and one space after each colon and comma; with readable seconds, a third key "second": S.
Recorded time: {"hour": 9, "minute": 4}
